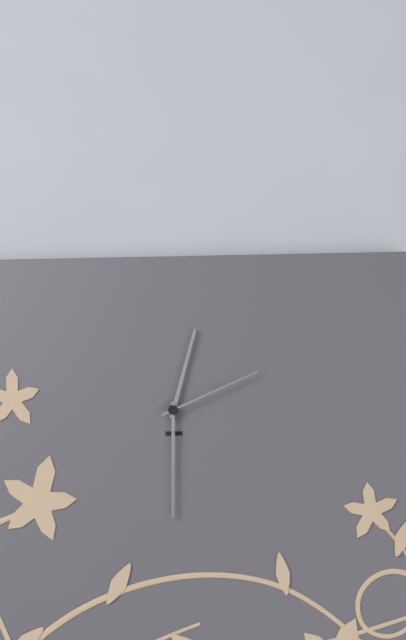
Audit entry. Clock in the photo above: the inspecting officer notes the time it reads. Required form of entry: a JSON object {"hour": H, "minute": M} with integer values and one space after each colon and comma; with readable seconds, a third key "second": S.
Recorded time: {"hour": 12, "minute": 30, "second": 11}
